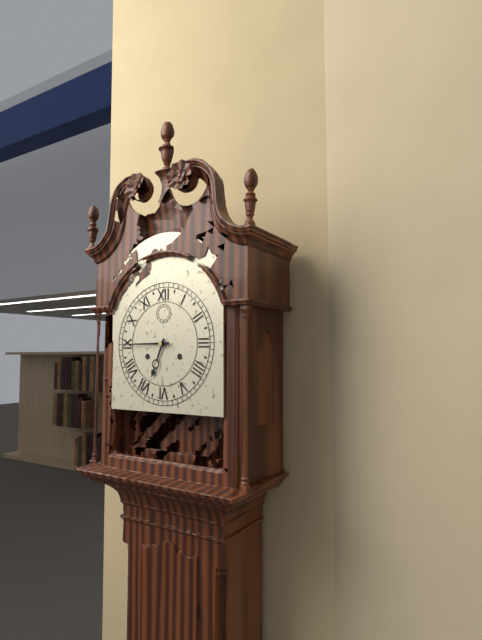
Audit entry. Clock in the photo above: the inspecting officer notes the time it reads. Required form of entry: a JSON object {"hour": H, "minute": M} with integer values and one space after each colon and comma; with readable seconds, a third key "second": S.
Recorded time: {"hour": 6, "minute": 45}
